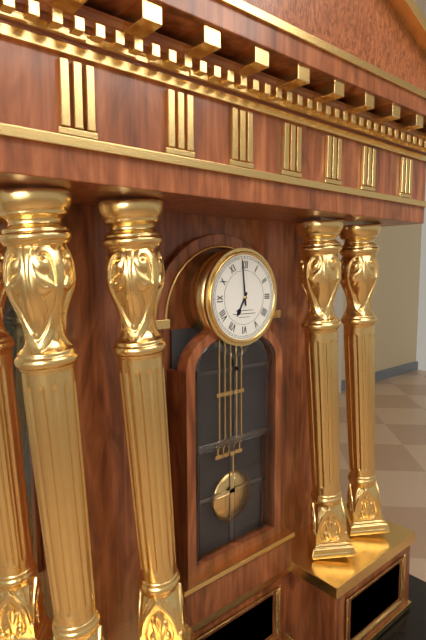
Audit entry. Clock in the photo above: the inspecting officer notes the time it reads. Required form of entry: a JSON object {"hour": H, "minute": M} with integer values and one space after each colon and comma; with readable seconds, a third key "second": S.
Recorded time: {"hour": 6, "minute": 59}
